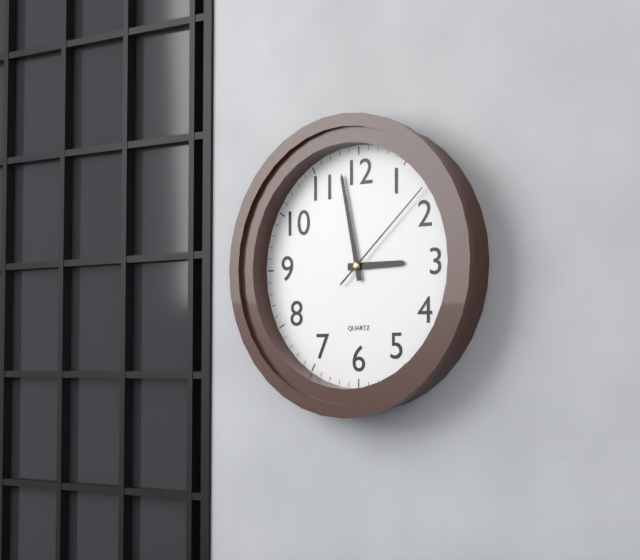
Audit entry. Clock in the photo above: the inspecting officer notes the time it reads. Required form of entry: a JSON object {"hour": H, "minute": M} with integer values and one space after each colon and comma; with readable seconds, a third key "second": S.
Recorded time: {"hour": 2, "minute": 58, "second": 8}
